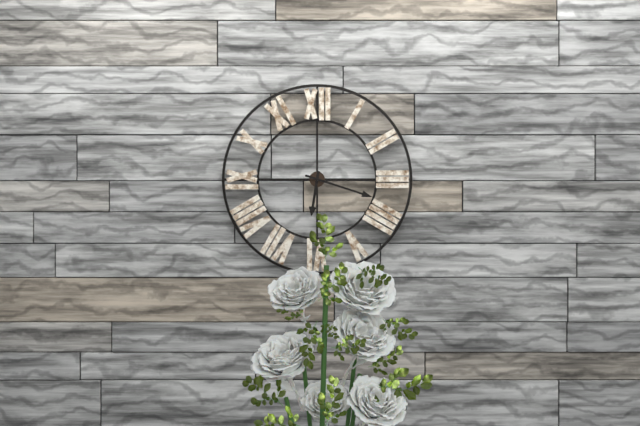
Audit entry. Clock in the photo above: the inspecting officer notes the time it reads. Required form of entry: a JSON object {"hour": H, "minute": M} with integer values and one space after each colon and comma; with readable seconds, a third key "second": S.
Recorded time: {"hour": 6, "minute": 18}
